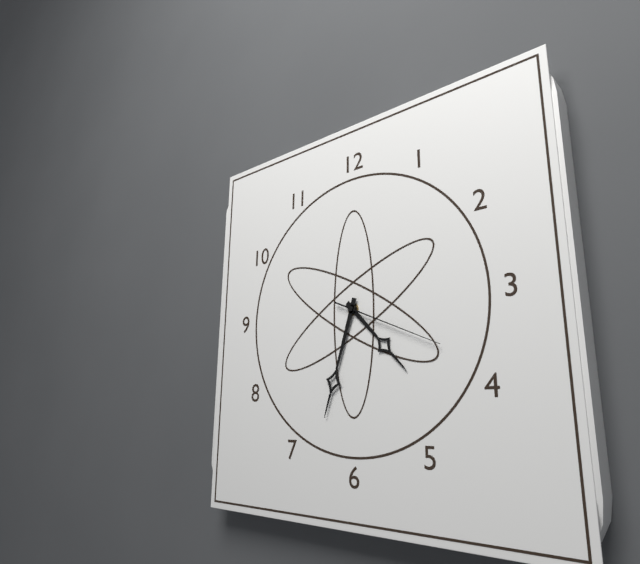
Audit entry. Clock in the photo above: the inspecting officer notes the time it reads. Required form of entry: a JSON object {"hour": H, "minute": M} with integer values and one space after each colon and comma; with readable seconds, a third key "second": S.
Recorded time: {"hour": 4, "minute": 33, "second": 19}
